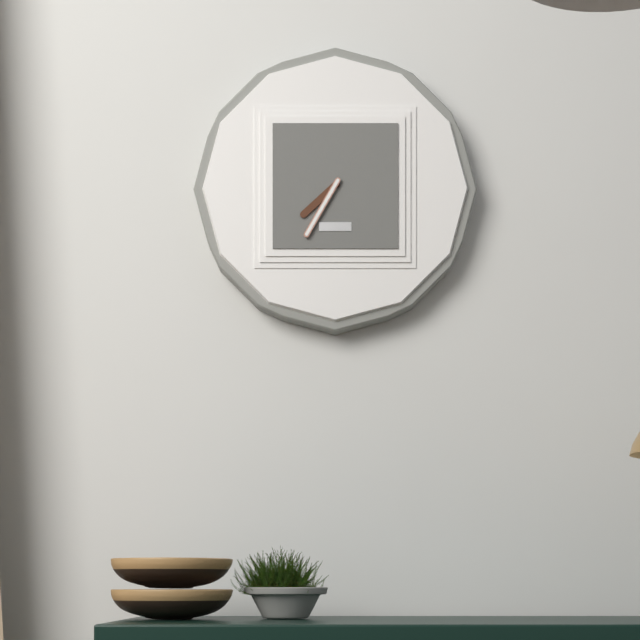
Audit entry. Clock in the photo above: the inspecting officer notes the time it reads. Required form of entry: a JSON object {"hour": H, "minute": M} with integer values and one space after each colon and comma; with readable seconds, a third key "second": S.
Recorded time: {"hour": 7, "minute": 35}
